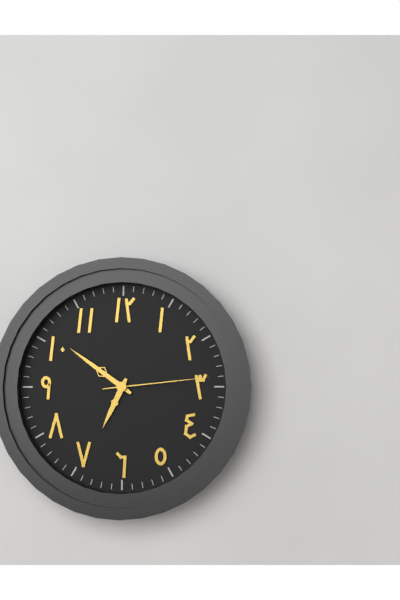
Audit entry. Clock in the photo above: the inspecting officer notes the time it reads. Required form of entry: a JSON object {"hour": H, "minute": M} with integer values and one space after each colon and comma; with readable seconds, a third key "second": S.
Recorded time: {"hour": 6, "minute": 51, "second": 14}
